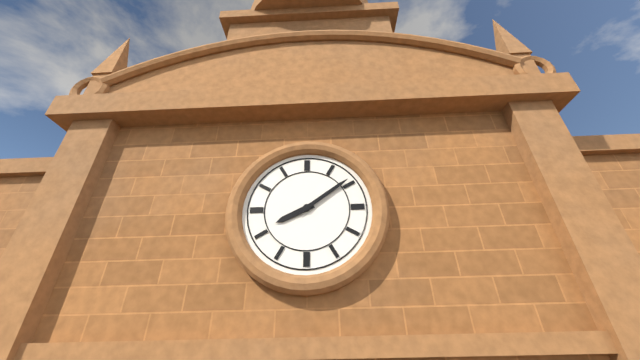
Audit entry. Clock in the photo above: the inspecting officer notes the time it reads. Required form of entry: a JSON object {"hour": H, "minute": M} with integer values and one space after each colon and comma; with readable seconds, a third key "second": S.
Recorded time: {"hour": 8, "minute": 9}
